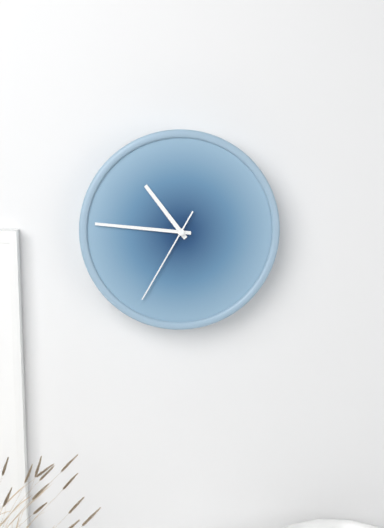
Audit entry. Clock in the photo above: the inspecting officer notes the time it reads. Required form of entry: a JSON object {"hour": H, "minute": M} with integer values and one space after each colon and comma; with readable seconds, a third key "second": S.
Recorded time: {"hour": 10, "minute": 46, "second": 35}
